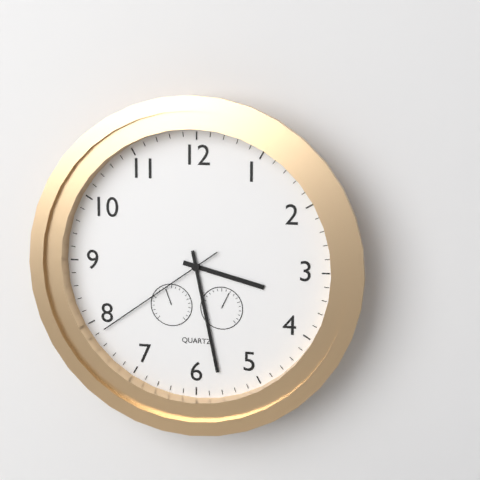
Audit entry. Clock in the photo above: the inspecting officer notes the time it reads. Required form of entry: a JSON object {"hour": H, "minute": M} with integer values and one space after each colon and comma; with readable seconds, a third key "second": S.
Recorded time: {"hour": 3, "minute": 28, "second": 39}
